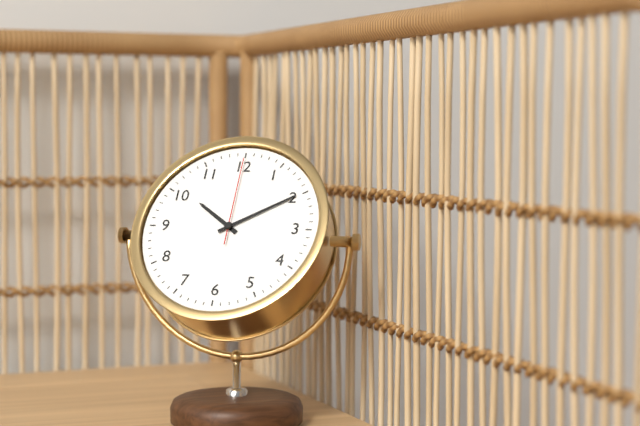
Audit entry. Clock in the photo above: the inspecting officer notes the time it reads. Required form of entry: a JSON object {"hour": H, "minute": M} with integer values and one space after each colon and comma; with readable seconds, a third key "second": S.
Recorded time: {"hour": 10, "minute": 10, "second": 0}
